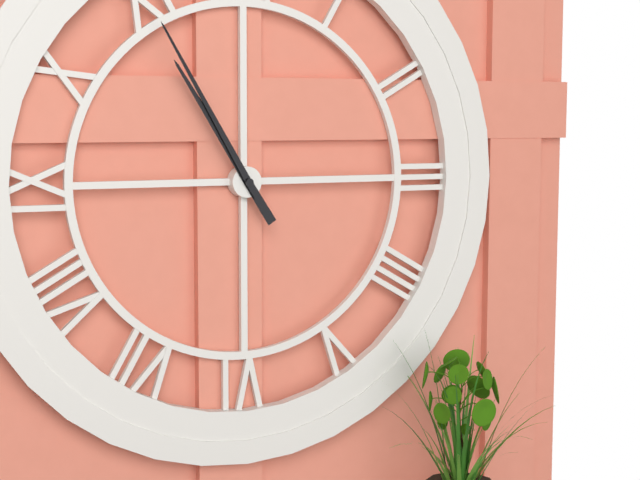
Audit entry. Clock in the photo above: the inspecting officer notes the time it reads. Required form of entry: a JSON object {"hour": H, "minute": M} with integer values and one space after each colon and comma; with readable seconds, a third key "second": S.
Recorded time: {"hour": 10, "minute": 55}
